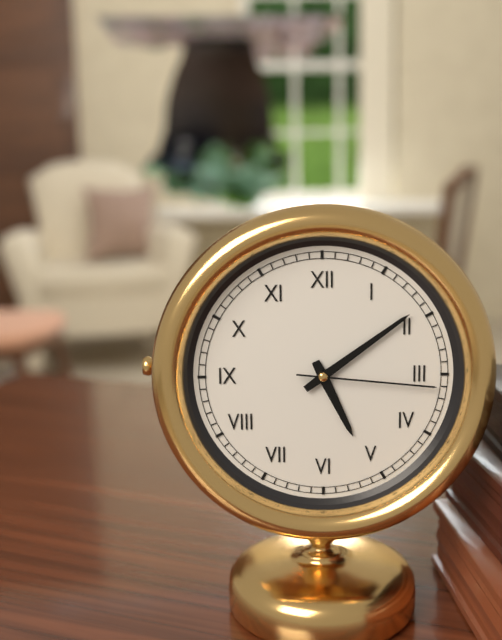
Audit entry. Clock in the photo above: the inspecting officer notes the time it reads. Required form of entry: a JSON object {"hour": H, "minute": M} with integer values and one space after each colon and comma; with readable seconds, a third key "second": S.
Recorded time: {"hour": 5, "minute": 9, "second": 16}
